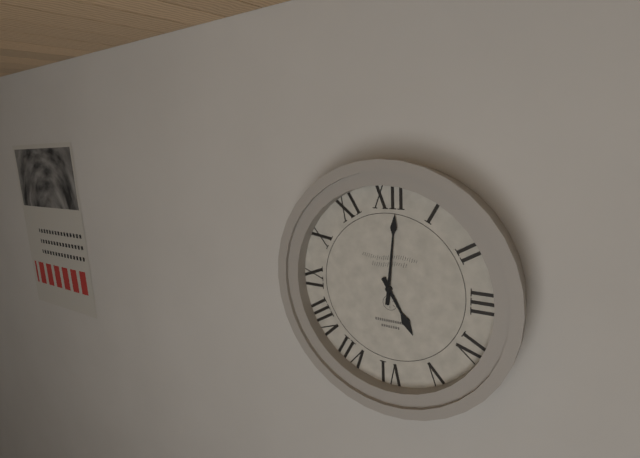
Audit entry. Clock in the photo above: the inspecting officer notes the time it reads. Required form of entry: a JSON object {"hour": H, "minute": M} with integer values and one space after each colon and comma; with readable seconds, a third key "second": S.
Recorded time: {"hour": 5, "minute": 1}
